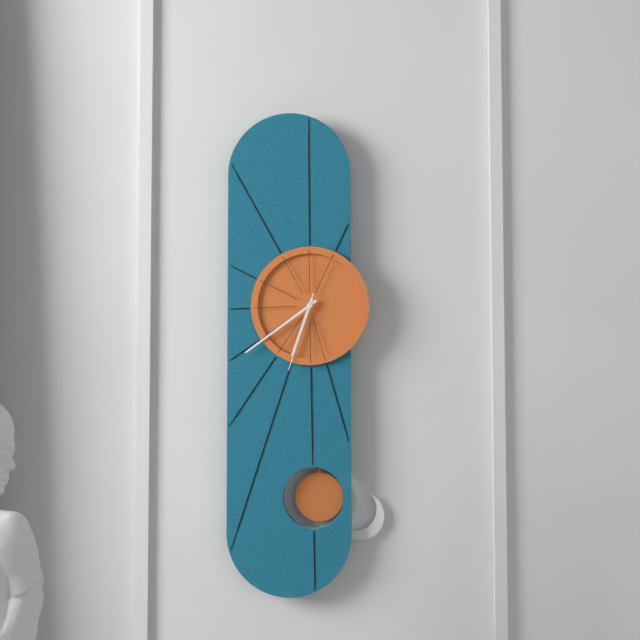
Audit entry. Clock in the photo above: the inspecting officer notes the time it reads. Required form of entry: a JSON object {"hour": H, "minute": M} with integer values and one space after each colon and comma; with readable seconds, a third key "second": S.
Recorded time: {"hour": 6, "minute": 39, "second": 33}
